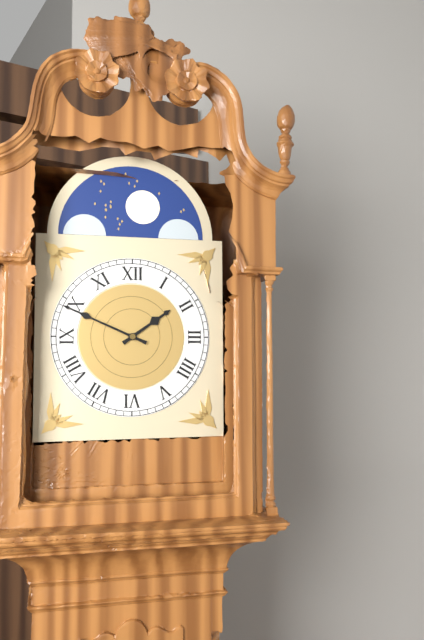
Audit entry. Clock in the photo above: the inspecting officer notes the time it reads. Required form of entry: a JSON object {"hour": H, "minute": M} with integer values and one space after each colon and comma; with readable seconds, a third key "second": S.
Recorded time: {"hour": 1, "minute": 49}
